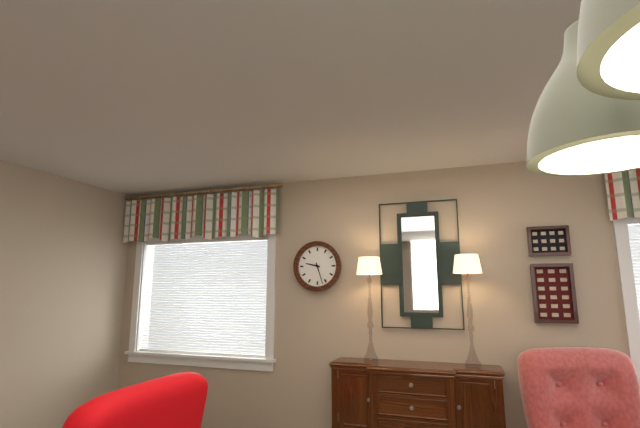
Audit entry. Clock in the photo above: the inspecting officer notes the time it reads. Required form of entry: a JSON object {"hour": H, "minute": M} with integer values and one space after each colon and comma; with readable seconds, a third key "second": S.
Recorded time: {"hour": 9, "minute": 27}
